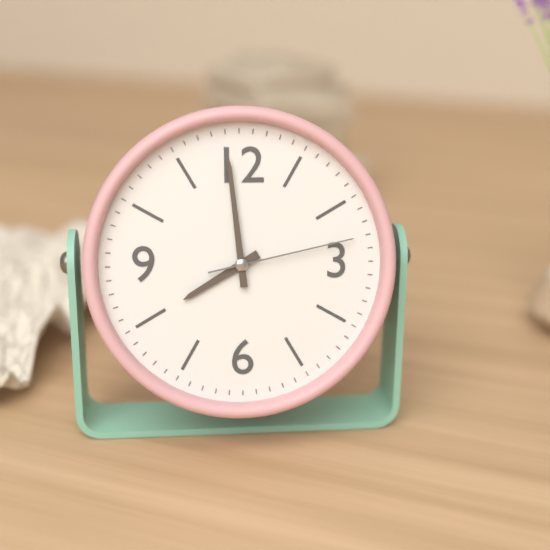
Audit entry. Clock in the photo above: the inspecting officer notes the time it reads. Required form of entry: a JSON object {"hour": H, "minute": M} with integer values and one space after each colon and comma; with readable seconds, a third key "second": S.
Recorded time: {"hour": 7, "minute": 59, "second": 13}
